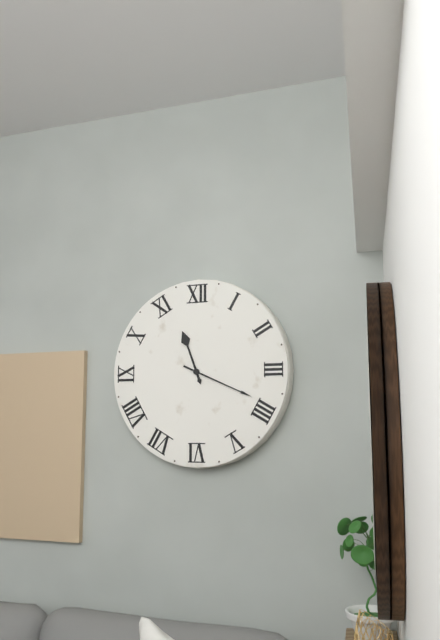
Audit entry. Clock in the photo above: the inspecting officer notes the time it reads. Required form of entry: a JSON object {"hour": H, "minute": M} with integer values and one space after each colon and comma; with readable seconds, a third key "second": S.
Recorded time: {"hour": 11, "minute": 19}
